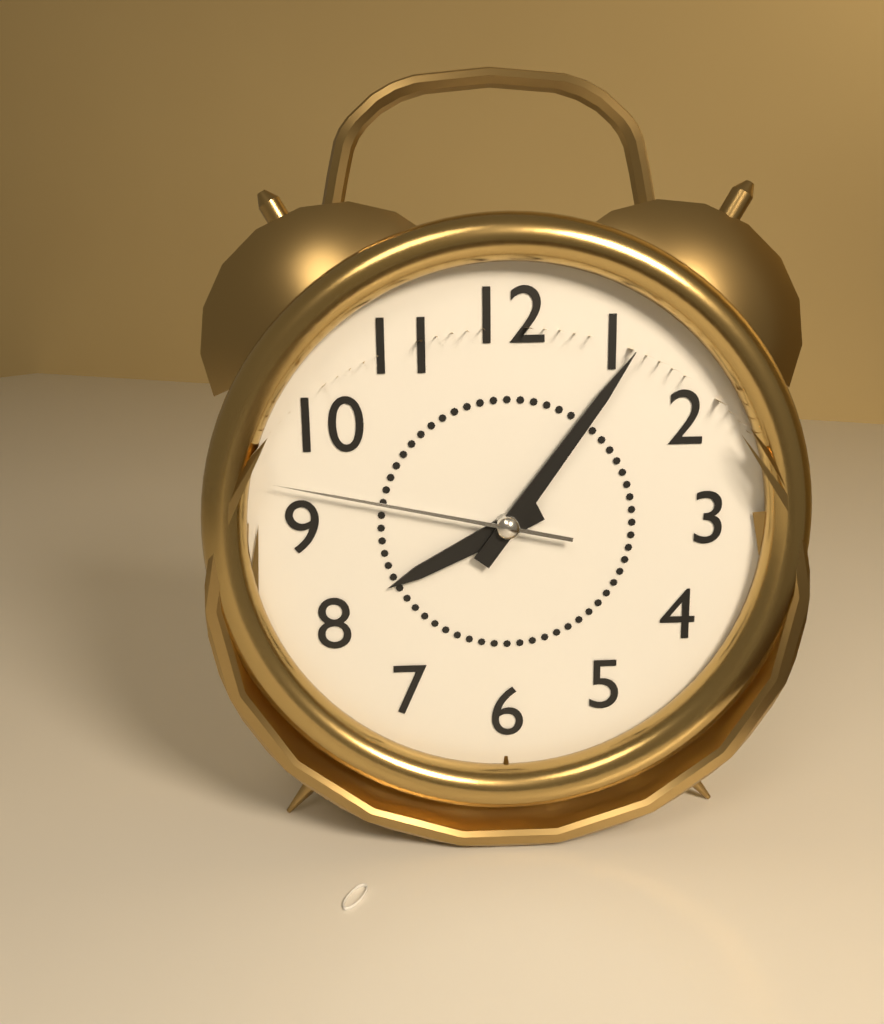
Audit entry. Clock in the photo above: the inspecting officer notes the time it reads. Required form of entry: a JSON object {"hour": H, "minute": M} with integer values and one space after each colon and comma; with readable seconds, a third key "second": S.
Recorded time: {"hour": 8, "minute": 6, "second": 47}
